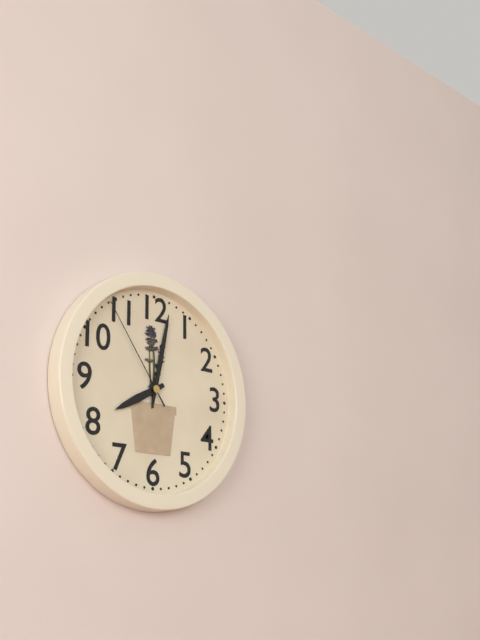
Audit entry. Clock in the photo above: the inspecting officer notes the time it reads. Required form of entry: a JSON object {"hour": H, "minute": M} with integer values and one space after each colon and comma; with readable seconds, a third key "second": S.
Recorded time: {"hour": 8, "minute": 2, "second": 54}
